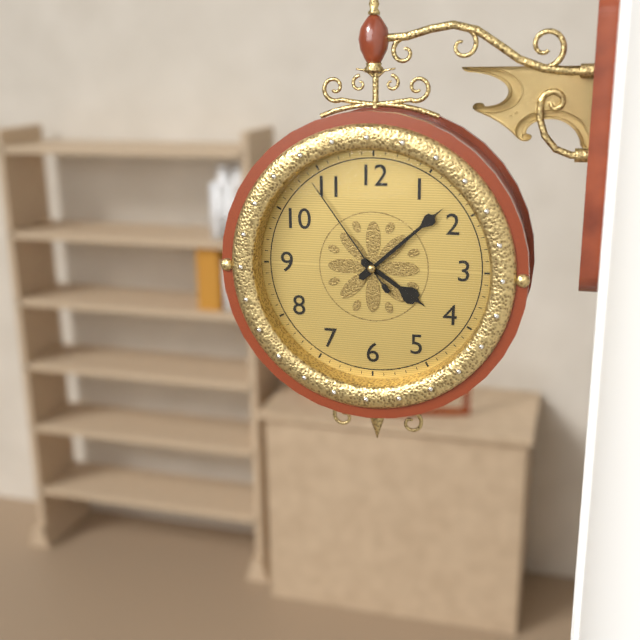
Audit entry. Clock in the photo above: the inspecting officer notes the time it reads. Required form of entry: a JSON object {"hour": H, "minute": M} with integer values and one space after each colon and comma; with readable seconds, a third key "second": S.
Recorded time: {"hour": 4, "minute": 8, "second": 54}
